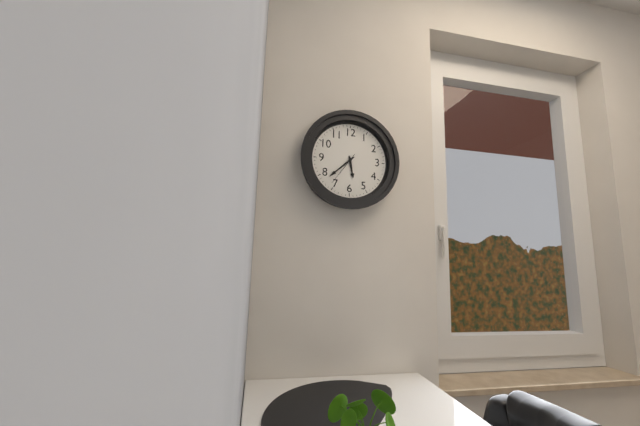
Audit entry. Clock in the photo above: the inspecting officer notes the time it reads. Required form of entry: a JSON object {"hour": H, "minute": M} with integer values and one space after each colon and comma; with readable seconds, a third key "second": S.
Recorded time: {"hour": 5, "minute": 38}
